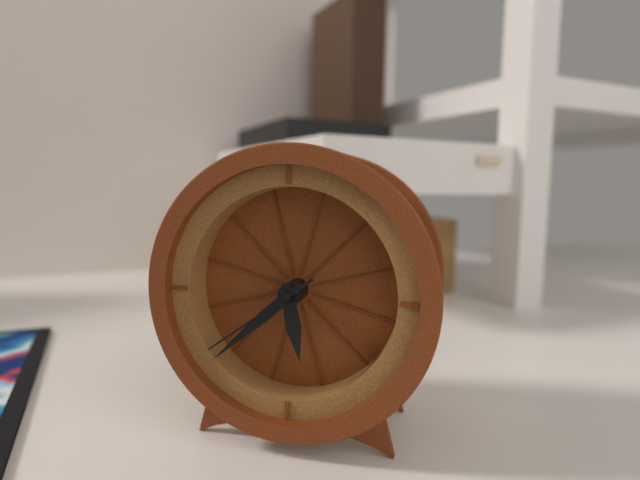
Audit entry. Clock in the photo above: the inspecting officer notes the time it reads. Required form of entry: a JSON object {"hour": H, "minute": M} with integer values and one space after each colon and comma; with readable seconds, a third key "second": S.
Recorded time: {"hour": 5, "minute": 38, "second": 39}
